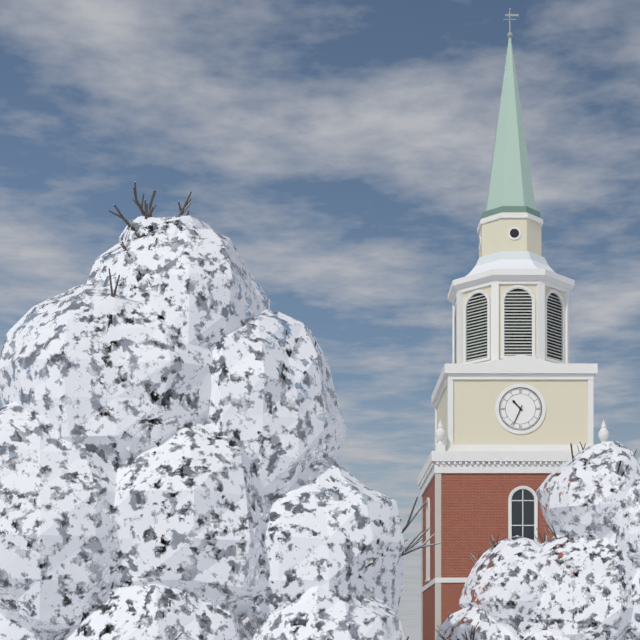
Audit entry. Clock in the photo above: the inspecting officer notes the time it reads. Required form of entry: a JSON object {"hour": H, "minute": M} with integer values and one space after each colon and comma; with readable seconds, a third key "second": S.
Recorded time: {"hour": 10, "minute": 34}
